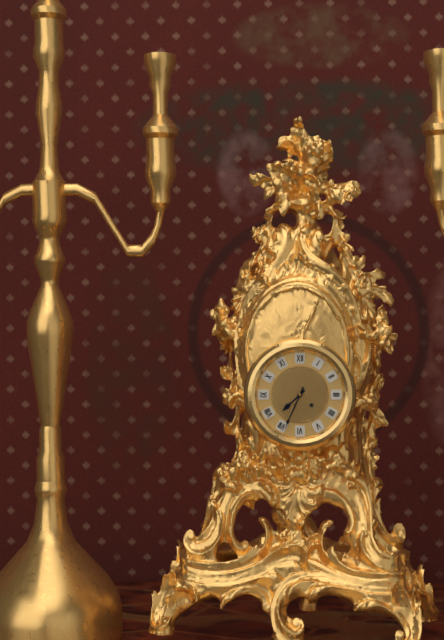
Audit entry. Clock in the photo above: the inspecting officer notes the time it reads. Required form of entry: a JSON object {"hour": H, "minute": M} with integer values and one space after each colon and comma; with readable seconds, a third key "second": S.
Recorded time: {"hour": 7, "minute": 34}
